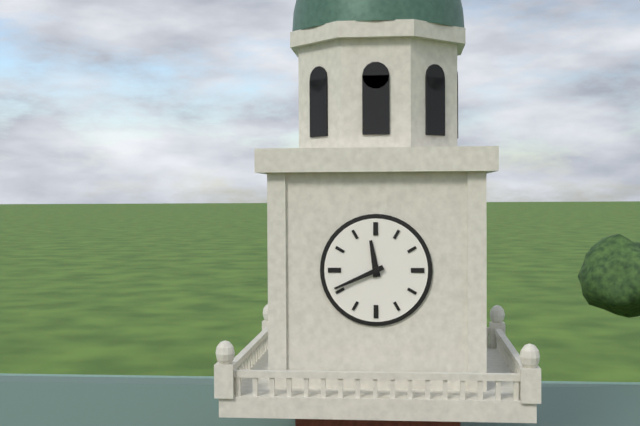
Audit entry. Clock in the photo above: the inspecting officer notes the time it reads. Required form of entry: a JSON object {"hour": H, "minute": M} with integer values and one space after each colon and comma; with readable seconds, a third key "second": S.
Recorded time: {"hour": 11, "minute": 41}
